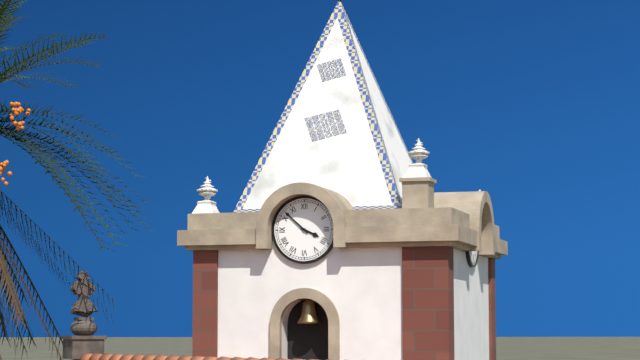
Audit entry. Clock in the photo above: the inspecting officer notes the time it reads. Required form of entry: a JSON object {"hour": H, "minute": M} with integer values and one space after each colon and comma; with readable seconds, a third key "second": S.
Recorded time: {"hour": 3, "minute": 52}
